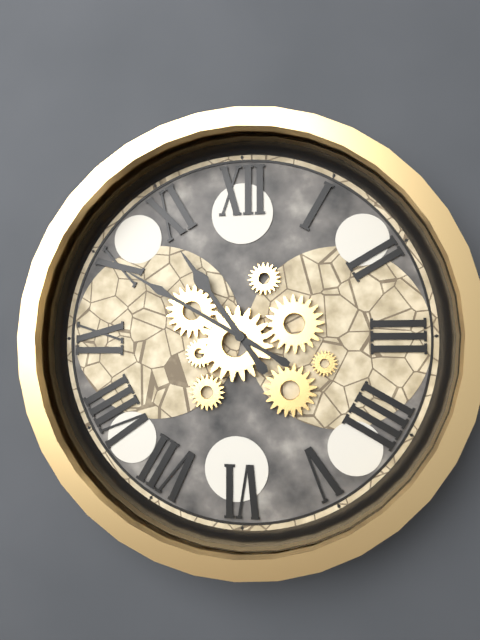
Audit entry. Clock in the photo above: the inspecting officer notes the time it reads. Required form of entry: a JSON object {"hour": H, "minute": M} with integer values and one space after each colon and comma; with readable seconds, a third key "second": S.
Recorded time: {"hour": 10, "minute": 50}
